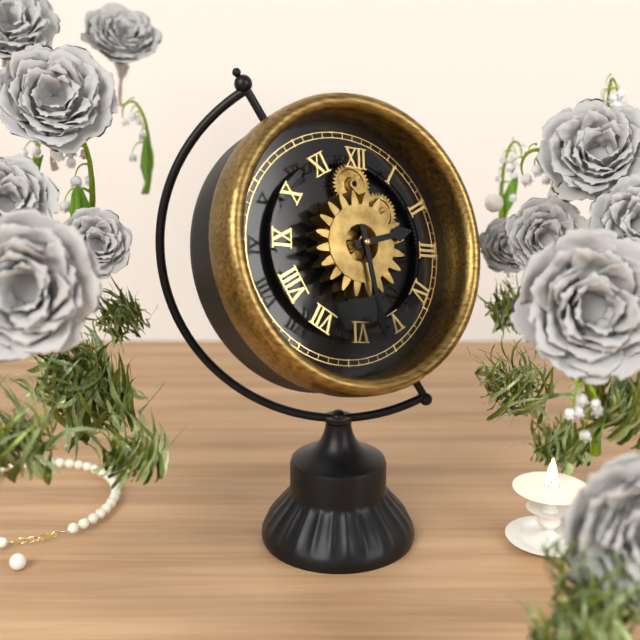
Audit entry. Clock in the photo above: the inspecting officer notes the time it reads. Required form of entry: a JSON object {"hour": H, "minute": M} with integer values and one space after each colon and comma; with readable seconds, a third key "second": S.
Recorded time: {"hour": 2, "minute": 28}
